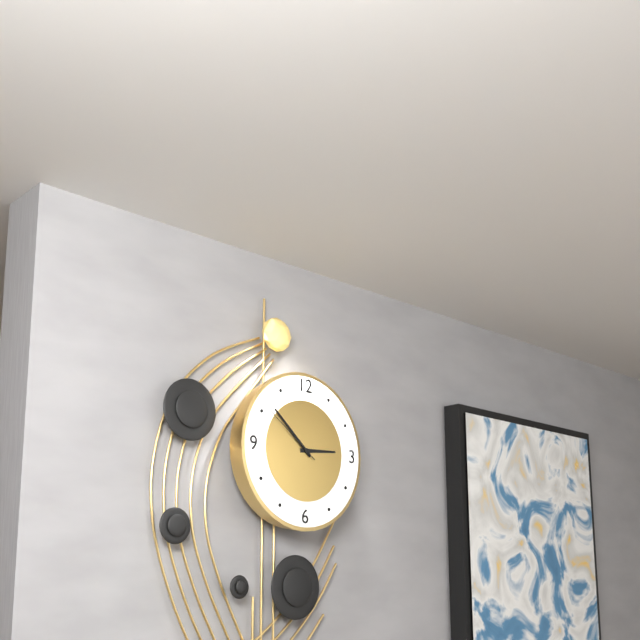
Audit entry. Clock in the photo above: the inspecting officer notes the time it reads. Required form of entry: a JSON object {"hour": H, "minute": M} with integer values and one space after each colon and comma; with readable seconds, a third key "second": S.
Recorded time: {"hour": 2, "minute": 52, "second": 51}
